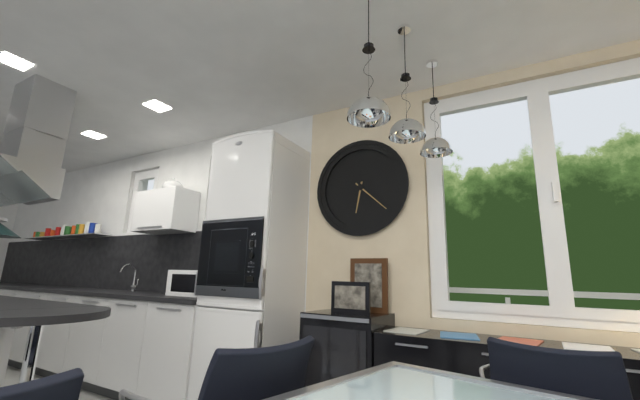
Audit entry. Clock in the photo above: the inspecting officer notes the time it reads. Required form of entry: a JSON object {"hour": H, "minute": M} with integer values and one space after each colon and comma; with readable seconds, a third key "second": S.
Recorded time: {"hour": 6, "minute": 22}
